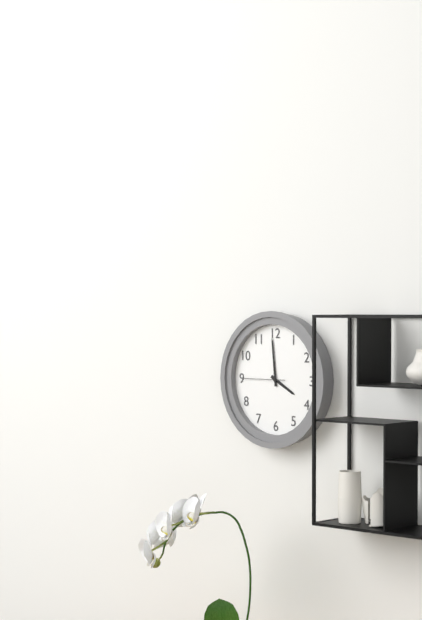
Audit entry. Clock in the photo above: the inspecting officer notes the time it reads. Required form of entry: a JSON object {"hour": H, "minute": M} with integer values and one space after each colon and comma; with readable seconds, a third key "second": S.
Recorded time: {"hour": 3, "minute": 59}
